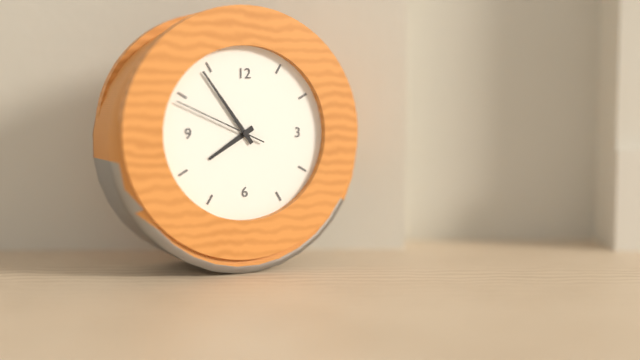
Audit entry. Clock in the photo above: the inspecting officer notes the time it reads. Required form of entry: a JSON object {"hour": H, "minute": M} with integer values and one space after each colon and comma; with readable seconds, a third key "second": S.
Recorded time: {"hour": 7, "minute": 54, "second": 49}
